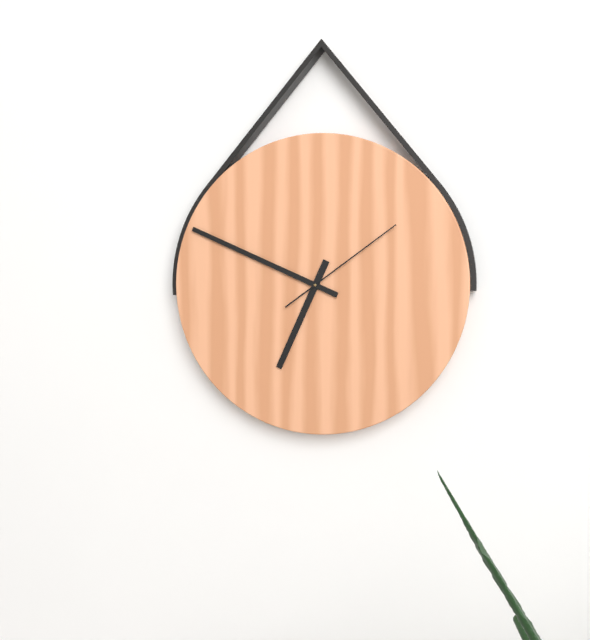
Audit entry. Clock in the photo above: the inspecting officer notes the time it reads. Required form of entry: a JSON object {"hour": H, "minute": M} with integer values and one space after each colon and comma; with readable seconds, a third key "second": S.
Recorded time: {"hour": 6, "minute": 49, "second": 9}
